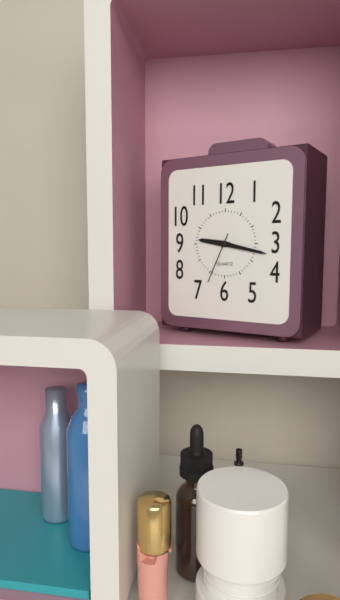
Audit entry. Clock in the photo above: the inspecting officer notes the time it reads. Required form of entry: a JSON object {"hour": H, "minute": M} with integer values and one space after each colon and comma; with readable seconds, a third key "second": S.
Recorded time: {"hour": 9, "minute": 17, "second": 34}
